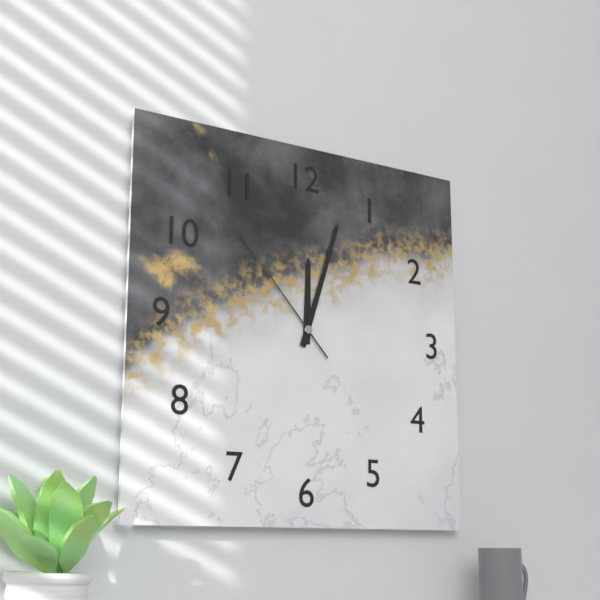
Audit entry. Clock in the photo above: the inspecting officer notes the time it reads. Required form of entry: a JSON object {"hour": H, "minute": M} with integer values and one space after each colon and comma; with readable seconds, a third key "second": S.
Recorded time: {"hour": 12, "minute": 3, "second": 53}
